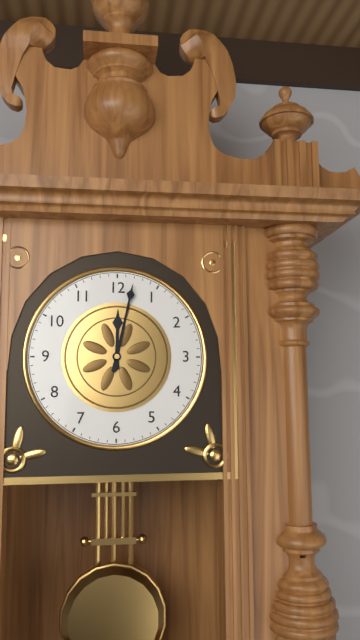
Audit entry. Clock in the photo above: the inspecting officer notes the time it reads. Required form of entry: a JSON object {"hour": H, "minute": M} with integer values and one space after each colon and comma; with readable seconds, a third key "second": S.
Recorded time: {"hour": 12, "minute": 2}
